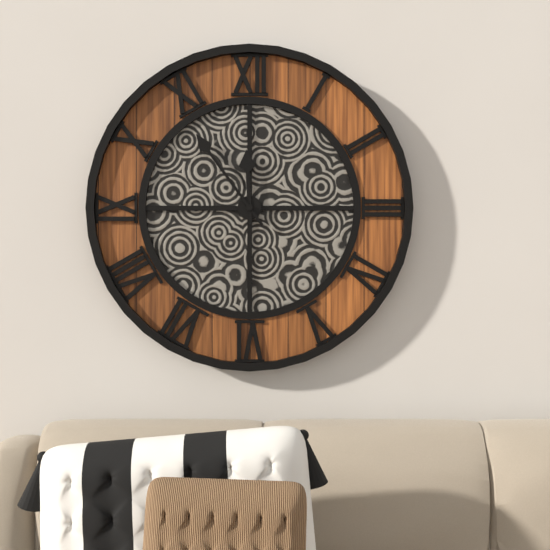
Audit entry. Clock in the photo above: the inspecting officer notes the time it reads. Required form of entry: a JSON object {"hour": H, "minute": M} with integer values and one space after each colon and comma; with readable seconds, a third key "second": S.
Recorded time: {"hour": 11, "minute": 54}
